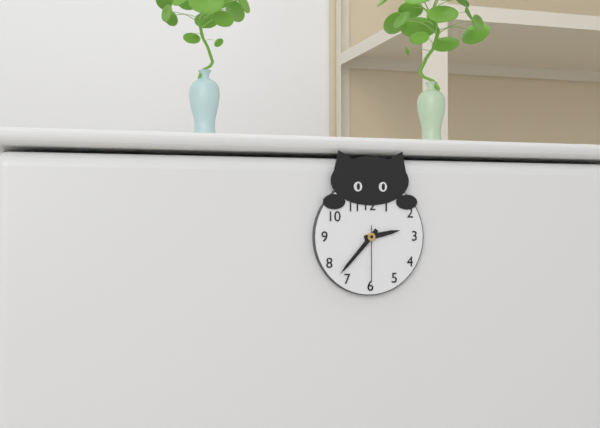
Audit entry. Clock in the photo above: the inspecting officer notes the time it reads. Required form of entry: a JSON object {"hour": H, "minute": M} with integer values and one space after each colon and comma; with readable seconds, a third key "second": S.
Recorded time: {"hour": 2, "minute": 37, "second": 30}
